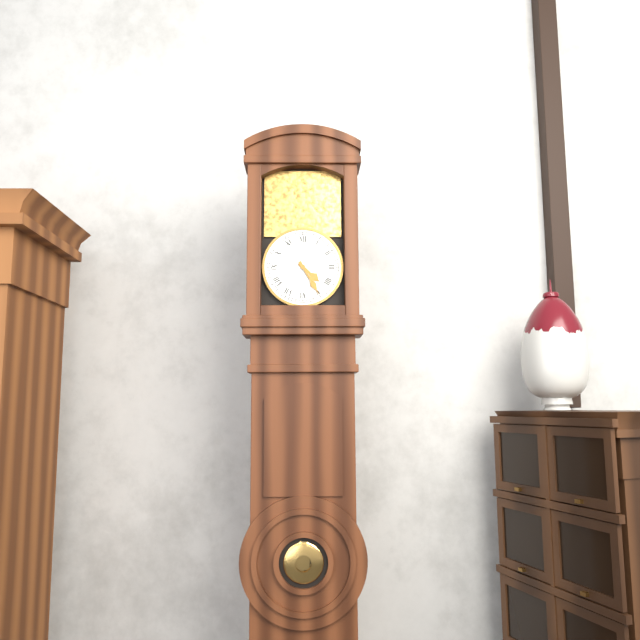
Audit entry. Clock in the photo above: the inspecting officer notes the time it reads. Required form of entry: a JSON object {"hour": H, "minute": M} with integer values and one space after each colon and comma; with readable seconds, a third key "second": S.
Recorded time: {"hour": 4, "minute": 25}
